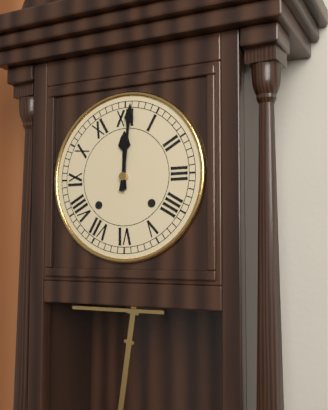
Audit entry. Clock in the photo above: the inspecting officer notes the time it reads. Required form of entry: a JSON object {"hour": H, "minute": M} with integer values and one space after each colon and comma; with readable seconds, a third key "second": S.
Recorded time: {"hour": 12, "minute": 1}
